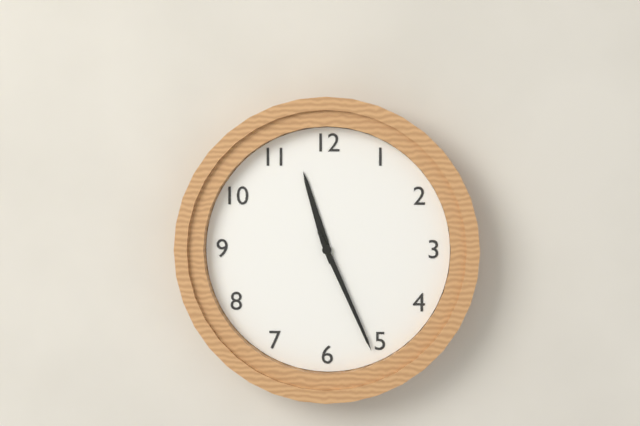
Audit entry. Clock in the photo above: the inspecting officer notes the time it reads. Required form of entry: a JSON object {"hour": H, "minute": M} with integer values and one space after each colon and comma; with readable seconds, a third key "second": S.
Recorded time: {"hour": 11, "minute": 26}
